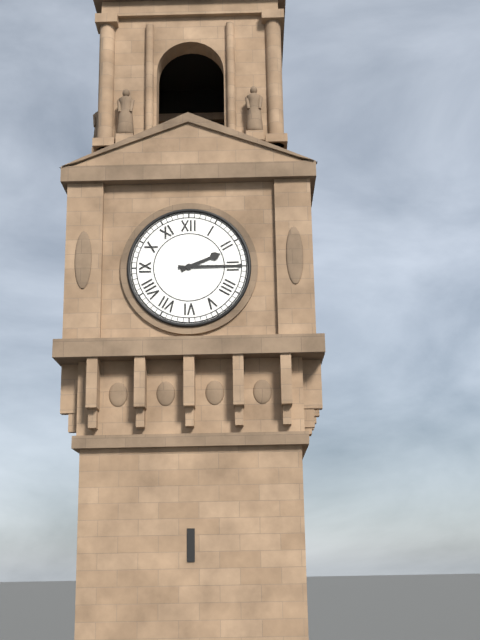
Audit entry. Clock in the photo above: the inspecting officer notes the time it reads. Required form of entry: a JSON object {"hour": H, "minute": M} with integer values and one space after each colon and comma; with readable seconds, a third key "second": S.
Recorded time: {"hour": 2, "minute": 15}
